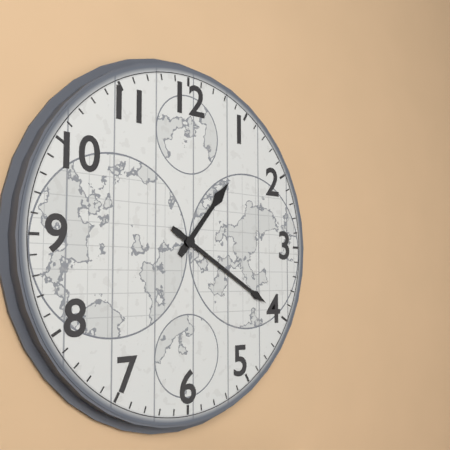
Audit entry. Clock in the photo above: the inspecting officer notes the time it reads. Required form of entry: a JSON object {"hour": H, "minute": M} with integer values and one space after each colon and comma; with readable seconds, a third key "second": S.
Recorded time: {"hour": 1, "minute": 20}
